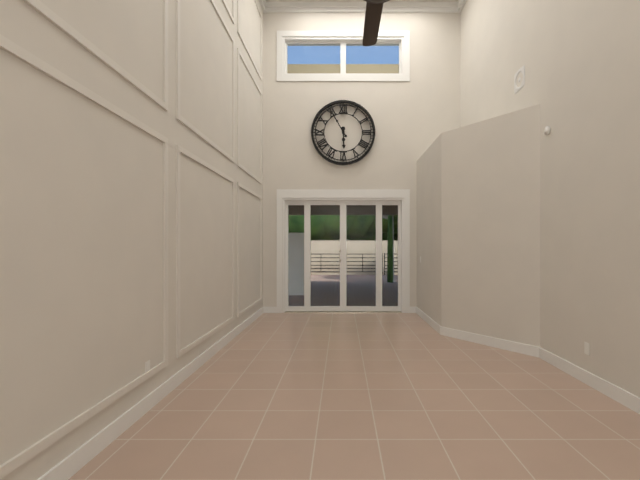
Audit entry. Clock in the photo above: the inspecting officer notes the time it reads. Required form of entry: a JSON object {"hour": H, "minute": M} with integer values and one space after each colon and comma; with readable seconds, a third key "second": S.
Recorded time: {"hour": 5, "minute": 55}
